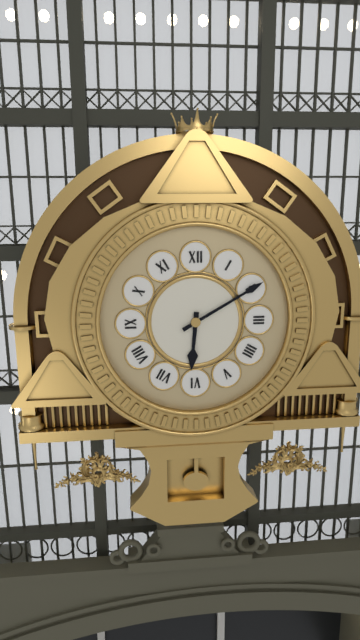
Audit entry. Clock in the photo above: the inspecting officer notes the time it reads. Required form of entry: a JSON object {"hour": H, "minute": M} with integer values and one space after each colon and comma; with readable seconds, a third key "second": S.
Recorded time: {"hour": 6, "minute": 10}
